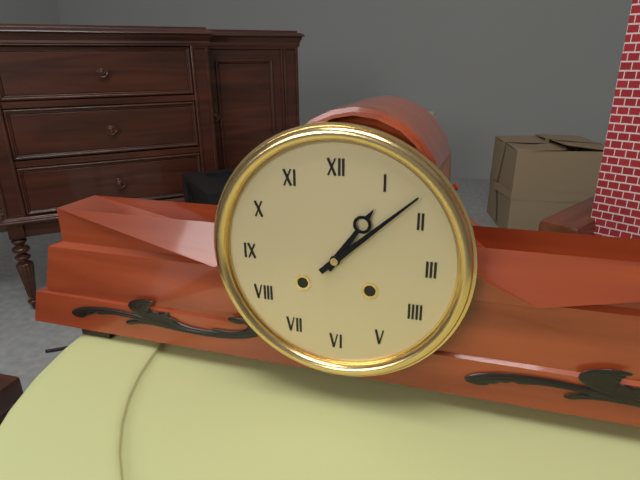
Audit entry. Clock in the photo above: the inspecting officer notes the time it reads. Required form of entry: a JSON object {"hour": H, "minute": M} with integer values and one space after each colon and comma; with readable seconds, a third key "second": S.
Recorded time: {"hour": 1, "minute": 8}
